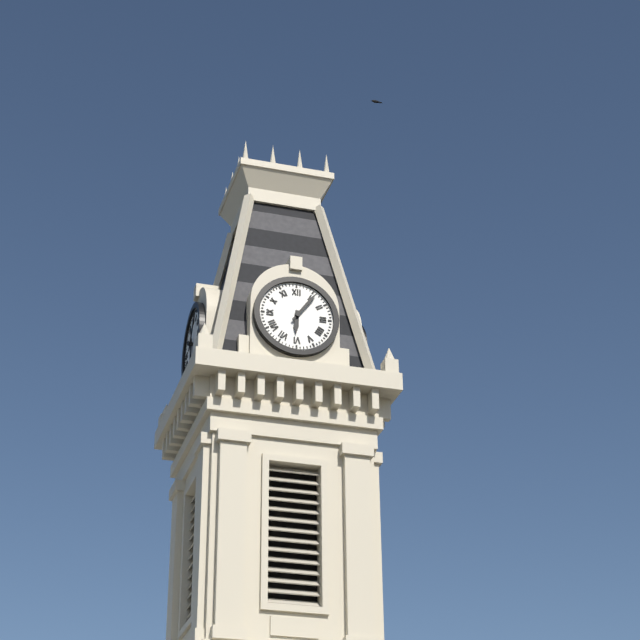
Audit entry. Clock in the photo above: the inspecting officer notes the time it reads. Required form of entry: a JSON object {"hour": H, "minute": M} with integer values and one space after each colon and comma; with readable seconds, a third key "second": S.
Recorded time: {"hour": 6, "minute": 6}
